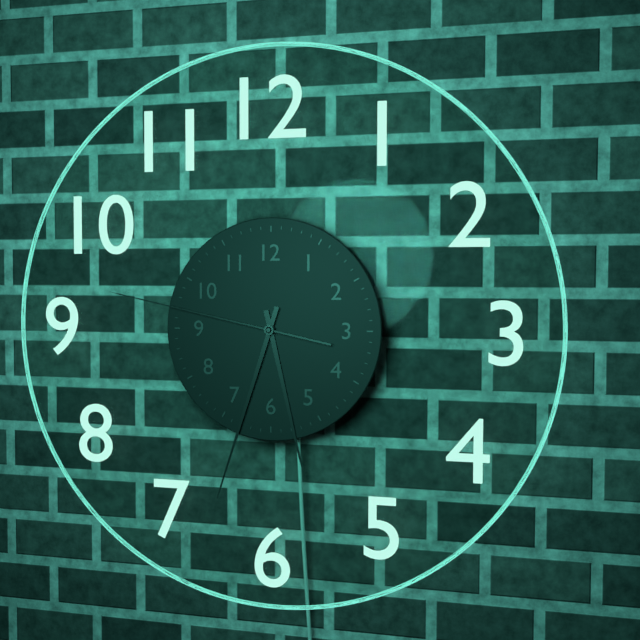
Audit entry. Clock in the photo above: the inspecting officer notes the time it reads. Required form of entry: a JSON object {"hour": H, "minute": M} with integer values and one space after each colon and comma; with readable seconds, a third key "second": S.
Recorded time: {"hour": 5, "minute": 33, "second": 47}
